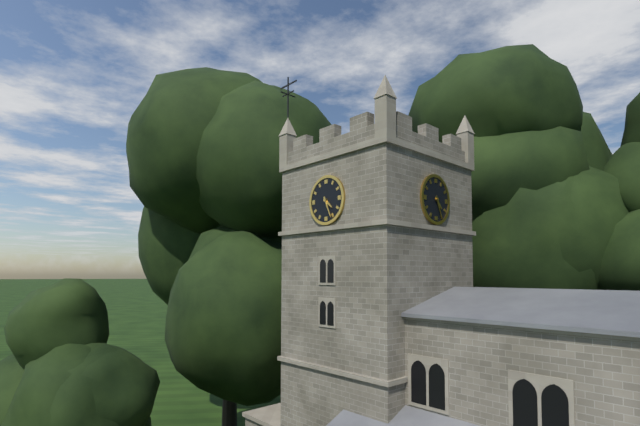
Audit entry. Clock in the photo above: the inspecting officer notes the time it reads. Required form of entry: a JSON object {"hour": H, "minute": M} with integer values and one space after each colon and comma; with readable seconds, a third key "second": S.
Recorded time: {"hour": 4, "minute": 26}
